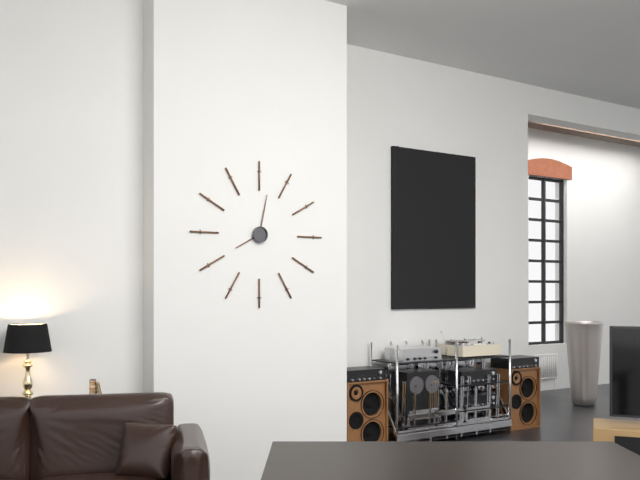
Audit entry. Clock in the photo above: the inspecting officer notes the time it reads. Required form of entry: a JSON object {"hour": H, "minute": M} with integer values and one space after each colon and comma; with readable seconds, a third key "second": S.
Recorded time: {"hour": 8, "minute": 2}
